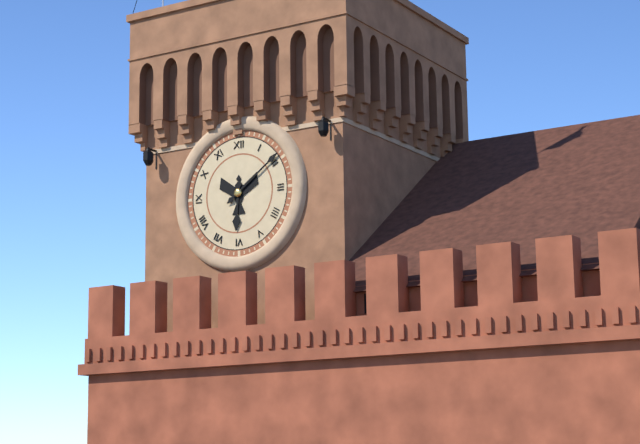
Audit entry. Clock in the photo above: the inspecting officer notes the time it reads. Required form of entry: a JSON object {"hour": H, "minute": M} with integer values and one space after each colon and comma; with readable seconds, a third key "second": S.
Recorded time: {"hour": 6, "minute": 9}
